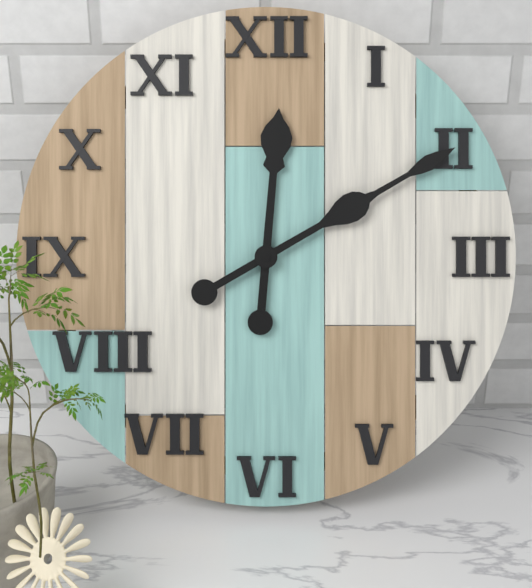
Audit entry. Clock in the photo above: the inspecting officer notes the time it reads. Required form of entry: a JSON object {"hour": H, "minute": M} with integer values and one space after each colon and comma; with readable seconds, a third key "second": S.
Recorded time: {"hour": 12, "minute": 10}
